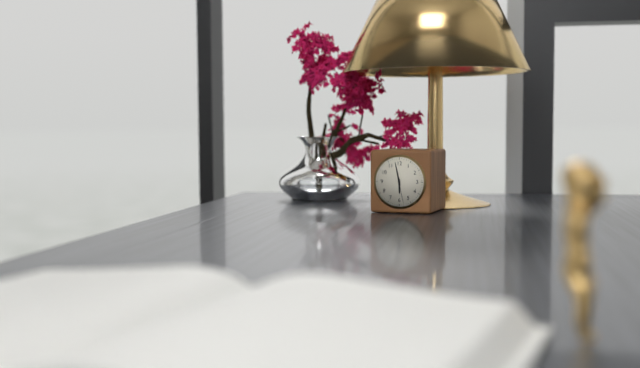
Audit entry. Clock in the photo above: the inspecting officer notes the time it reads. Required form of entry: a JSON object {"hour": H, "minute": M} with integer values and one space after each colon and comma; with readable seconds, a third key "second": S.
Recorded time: {"hour": 5, "minute": 58}
